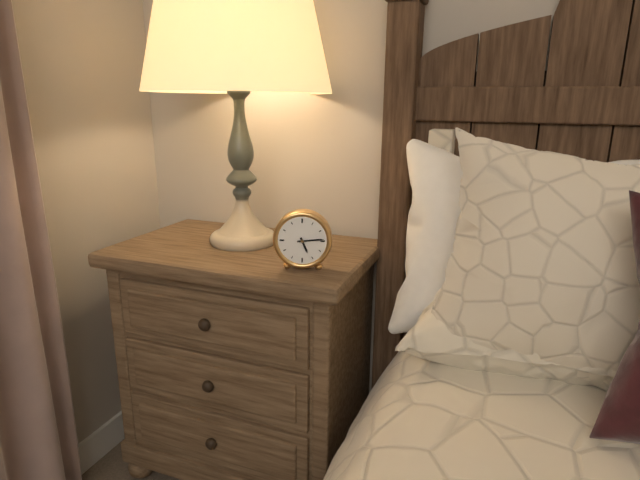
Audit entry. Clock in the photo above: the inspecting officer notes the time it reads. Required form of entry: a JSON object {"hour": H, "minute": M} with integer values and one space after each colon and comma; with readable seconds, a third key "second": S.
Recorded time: {"hour": 5, "minute": 14}
